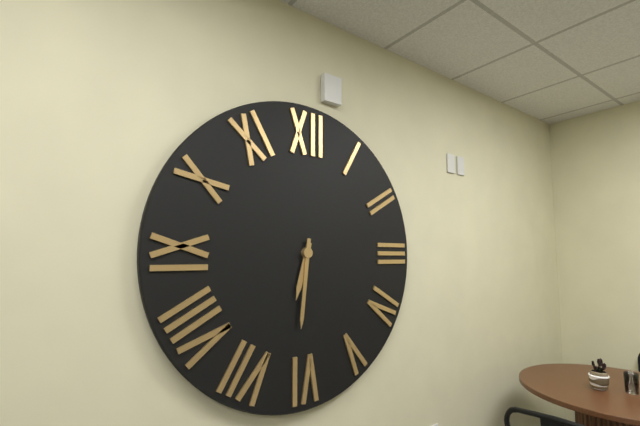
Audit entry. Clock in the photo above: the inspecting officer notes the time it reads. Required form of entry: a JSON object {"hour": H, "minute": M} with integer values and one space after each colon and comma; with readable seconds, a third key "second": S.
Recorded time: {"hour": 6, "minute": 31}
